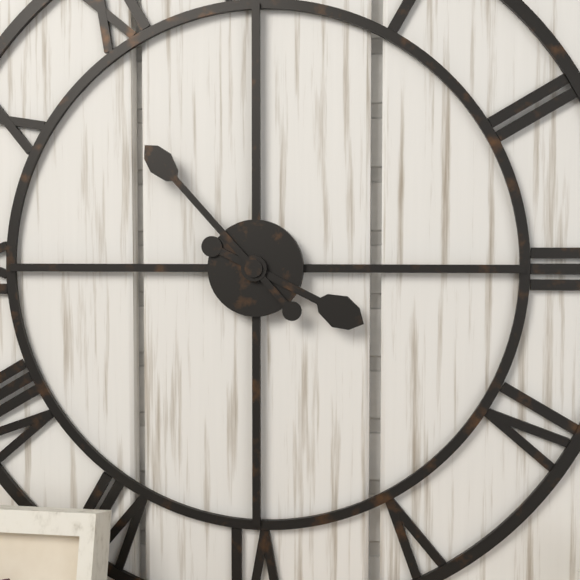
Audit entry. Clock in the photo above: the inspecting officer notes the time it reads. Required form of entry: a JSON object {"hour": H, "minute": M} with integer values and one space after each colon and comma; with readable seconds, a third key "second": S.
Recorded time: {"hour": 3, "minute": 53}
